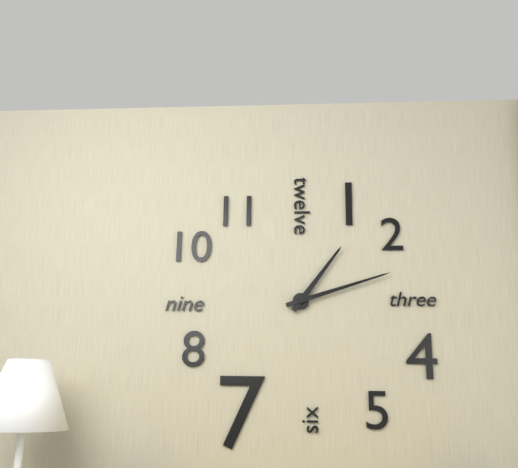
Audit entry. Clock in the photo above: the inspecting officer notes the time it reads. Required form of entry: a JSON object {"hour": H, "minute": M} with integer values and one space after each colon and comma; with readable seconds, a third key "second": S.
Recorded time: {"hour": 1, "minute": 12}
